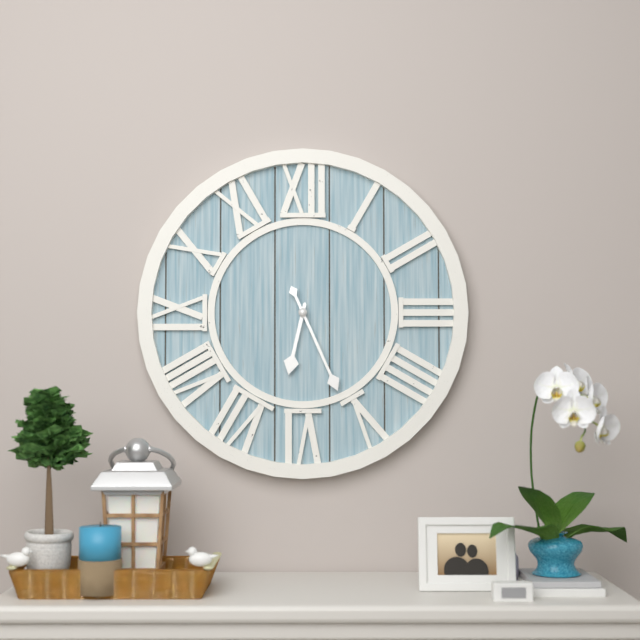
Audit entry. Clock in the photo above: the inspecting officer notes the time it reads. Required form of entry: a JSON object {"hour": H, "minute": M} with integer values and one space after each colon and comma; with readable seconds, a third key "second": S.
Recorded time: {"hour": 6, "minute": 26}
